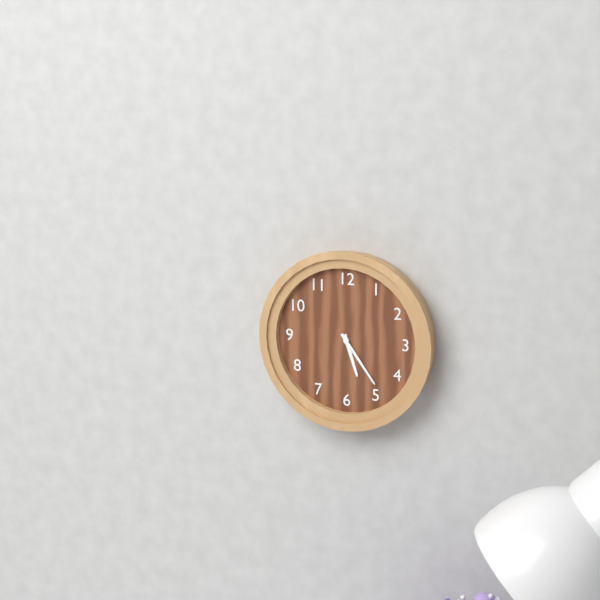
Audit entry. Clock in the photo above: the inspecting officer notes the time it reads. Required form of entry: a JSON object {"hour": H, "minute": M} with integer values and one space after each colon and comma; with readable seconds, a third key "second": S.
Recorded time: {"hour": 5, "minute": 24}
